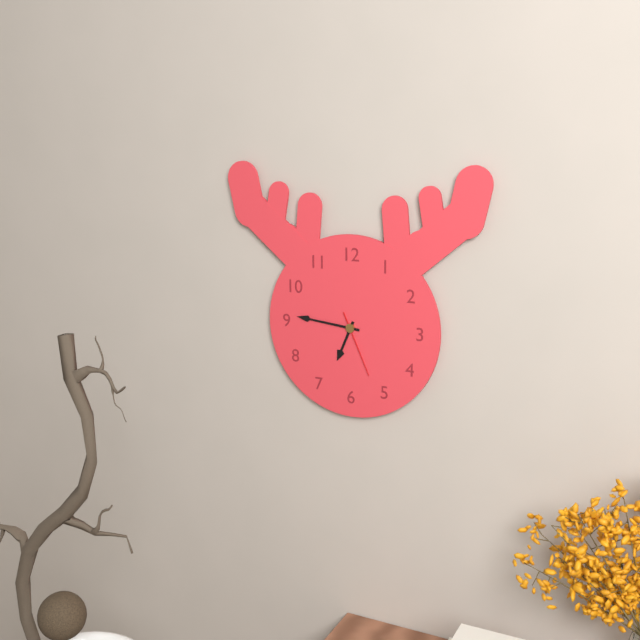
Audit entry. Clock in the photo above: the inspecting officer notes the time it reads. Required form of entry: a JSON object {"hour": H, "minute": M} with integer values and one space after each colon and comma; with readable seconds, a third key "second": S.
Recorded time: {"hour": 6, "minute": 46, "second": 26}
